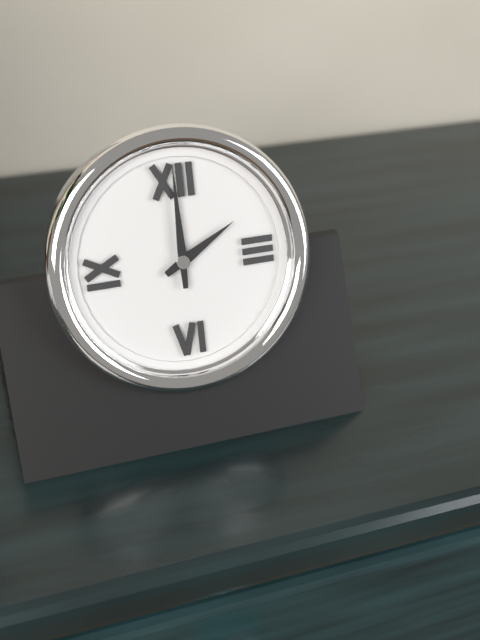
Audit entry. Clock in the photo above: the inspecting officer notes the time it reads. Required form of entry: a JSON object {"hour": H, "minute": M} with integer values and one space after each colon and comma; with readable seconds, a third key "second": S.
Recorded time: {"hour": 2, "minute": 0}
